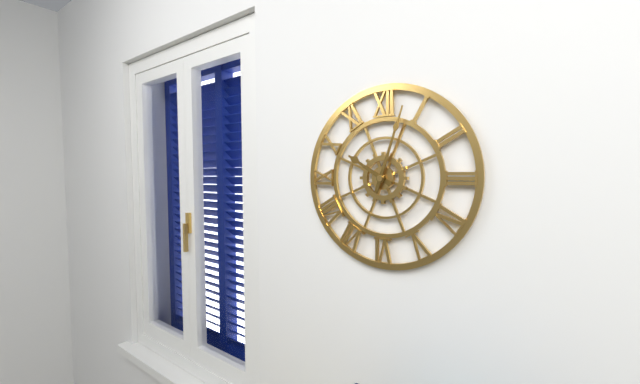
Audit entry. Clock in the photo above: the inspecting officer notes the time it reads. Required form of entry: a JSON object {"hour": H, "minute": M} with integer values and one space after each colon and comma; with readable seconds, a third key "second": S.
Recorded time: {"hour": 10, "minute": 3}
